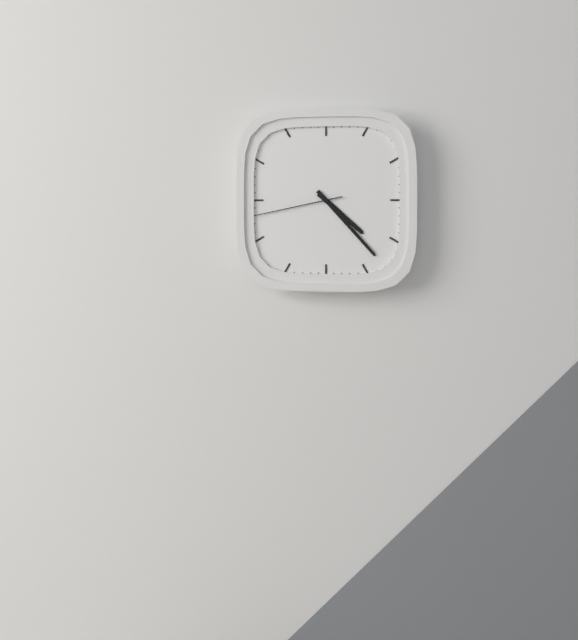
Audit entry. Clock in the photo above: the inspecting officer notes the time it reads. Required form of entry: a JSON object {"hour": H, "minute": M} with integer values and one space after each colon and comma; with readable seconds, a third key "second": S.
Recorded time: {"hour": 4, "minute": 23, "second": 43}
